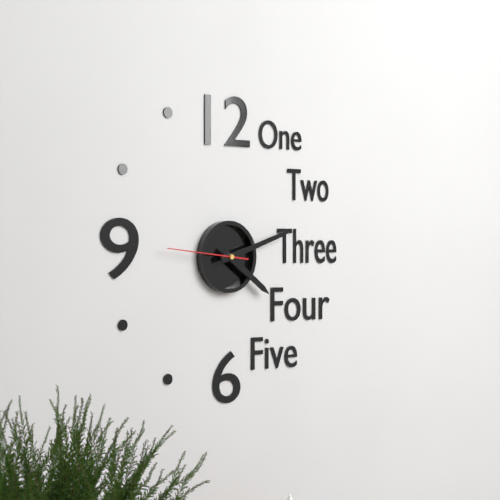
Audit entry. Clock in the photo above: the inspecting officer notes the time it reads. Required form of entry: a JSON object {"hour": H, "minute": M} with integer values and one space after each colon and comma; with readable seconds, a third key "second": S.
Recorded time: {"hour": 4, "minute": 12, "second": 46}
